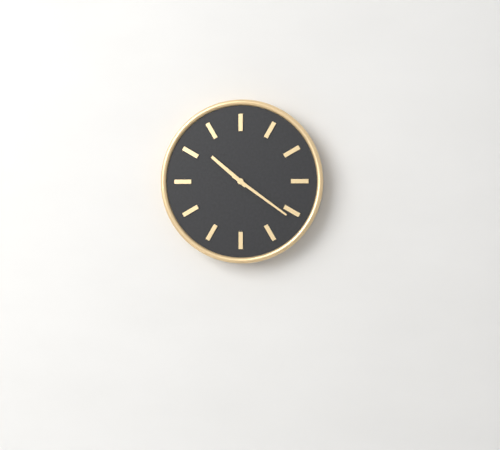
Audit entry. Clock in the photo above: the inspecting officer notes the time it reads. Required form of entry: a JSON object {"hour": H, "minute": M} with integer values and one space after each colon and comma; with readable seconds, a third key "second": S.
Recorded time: {"hour": 10, "minute": 21}
